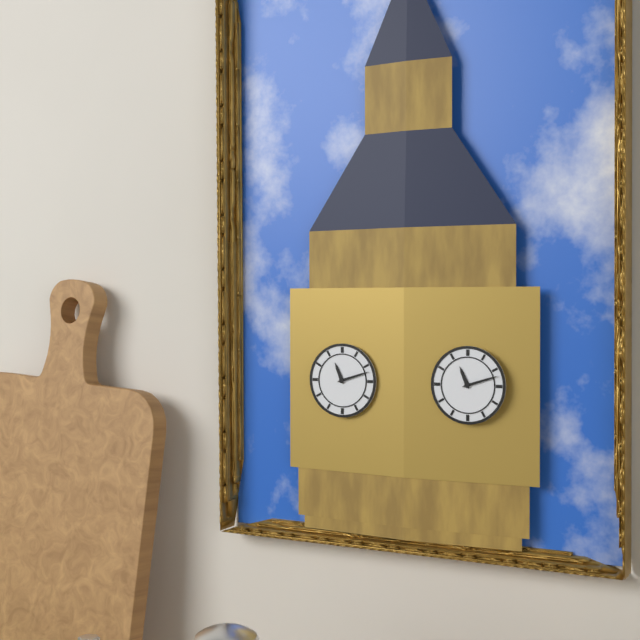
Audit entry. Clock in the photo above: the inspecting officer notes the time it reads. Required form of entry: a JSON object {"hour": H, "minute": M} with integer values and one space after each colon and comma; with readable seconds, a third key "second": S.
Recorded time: {"hour": 11, "minute": 12}
